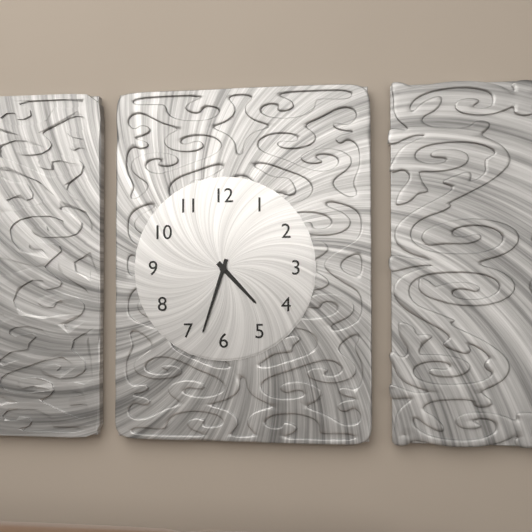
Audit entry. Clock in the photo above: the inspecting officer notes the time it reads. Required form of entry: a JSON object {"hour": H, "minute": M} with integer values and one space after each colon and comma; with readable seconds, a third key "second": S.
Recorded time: {"hour": 4, "minute": 33}
